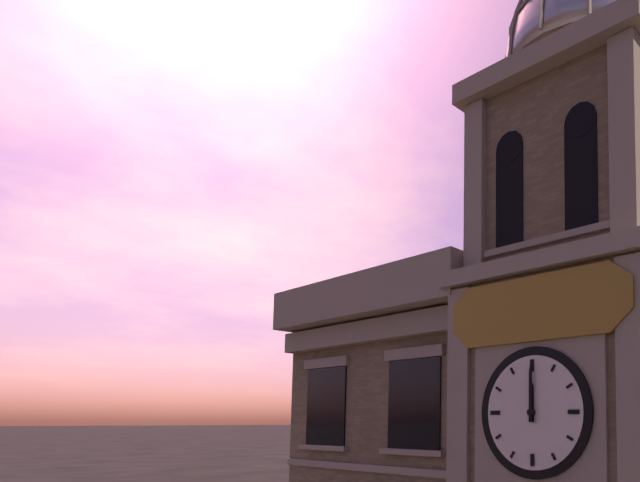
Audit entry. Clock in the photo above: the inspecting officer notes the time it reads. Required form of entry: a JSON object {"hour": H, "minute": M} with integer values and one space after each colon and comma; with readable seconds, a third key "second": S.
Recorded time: {"hour": 12, "minute": 0}
